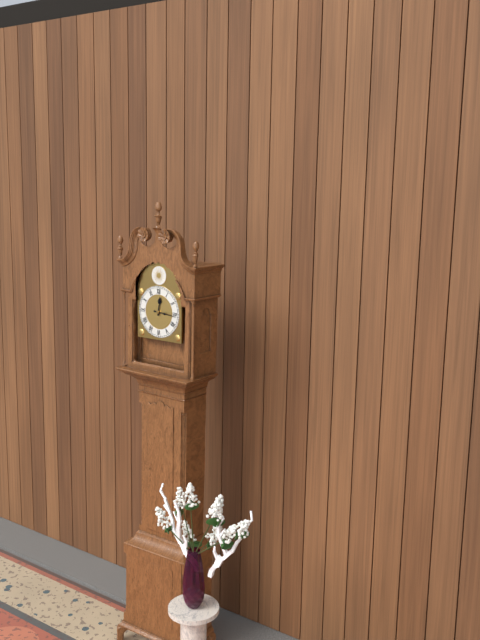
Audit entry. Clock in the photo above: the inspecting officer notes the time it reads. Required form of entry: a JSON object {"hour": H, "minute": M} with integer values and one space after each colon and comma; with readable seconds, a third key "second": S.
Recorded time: {"hour": 12, "minute": 16}
